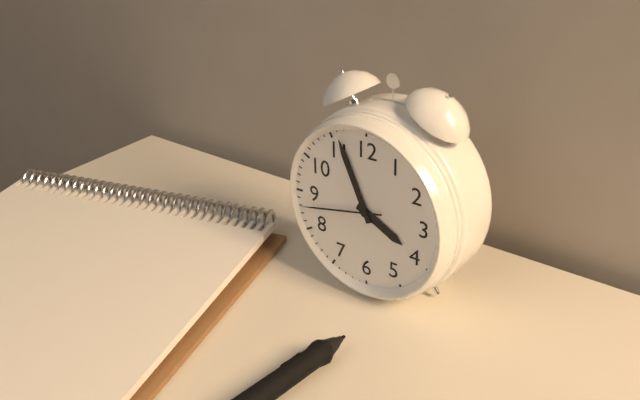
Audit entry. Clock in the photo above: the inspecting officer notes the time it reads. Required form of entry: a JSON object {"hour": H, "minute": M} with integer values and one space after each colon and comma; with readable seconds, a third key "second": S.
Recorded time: {"hour": 3, "minute": 56, "second": 43}
